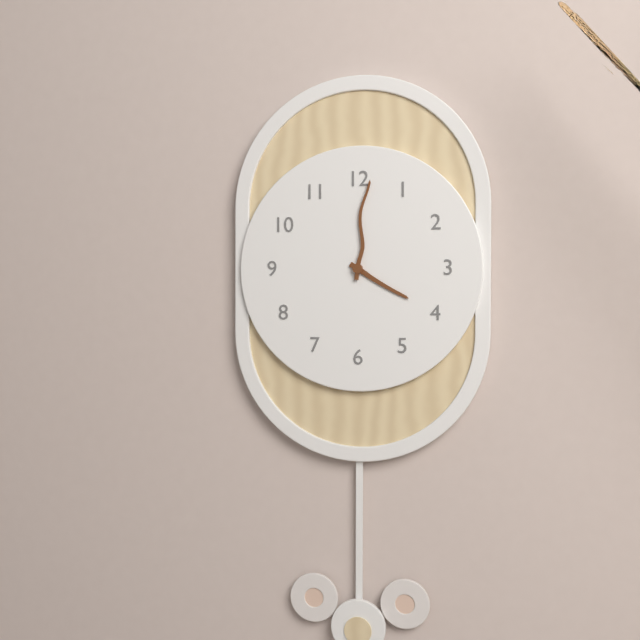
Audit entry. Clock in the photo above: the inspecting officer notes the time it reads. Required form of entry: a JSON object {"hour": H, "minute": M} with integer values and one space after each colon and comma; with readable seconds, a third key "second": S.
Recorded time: {"hour": 4, "minute": 1}
